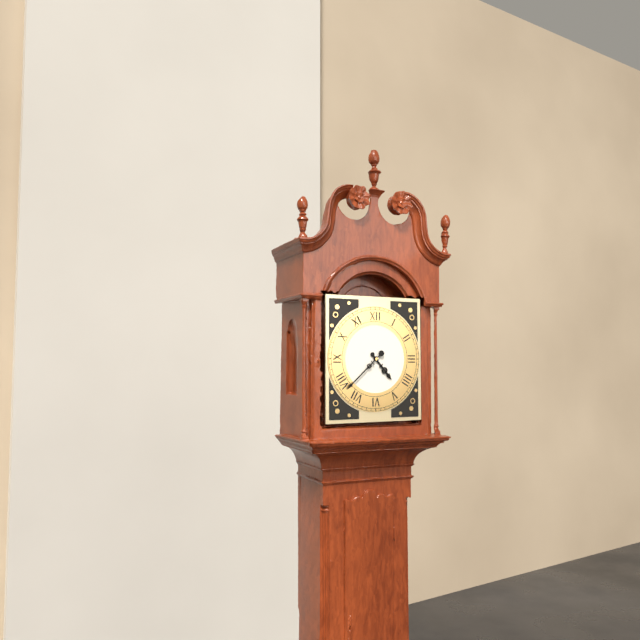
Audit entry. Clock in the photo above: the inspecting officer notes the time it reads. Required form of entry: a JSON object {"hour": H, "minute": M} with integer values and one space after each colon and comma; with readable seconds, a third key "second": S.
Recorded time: {"hour": 4, "minute": 38}
